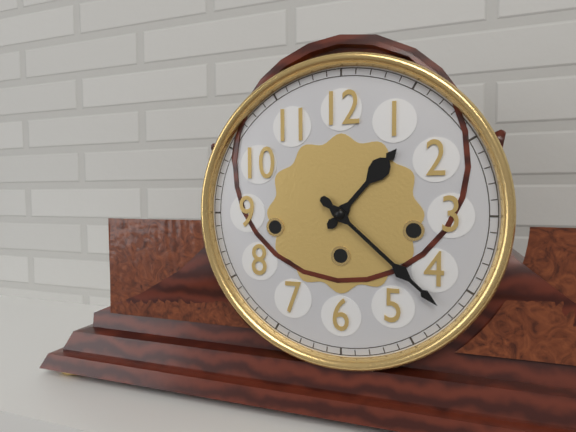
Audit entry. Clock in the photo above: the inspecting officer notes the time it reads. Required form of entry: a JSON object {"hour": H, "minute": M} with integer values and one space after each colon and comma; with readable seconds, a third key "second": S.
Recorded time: {"hour": 1, "minute": 22}
